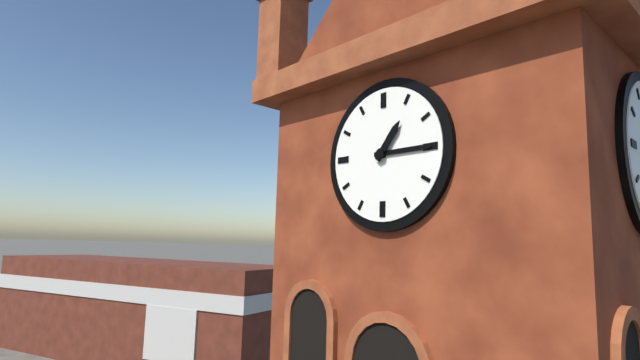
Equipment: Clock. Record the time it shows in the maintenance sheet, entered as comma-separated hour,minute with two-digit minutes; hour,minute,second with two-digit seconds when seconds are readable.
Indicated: 1,15
